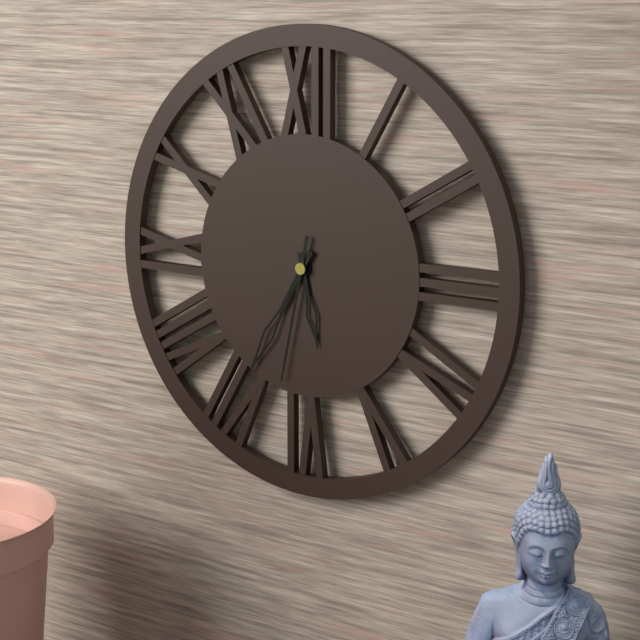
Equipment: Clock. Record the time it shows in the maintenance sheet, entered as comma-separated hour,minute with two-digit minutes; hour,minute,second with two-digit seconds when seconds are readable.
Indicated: 5,35,32
